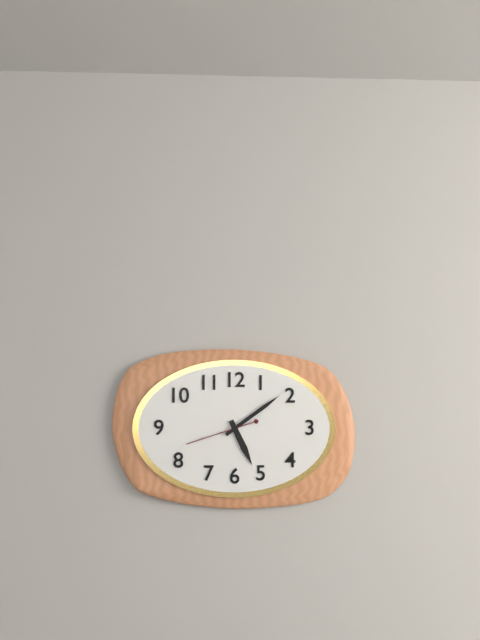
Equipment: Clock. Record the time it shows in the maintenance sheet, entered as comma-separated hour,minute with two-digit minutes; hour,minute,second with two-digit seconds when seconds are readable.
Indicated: 5,09,42
